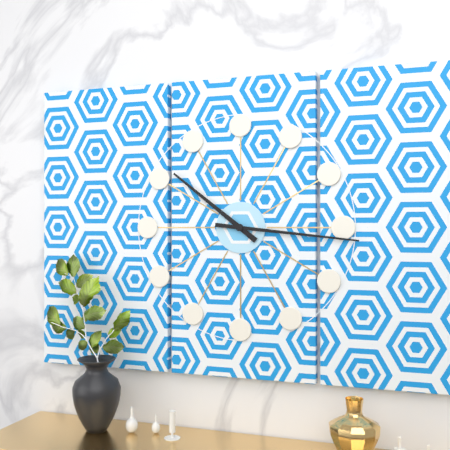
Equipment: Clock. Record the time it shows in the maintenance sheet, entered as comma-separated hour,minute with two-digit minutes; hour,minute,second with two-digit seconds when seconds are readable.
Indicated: 10,16
